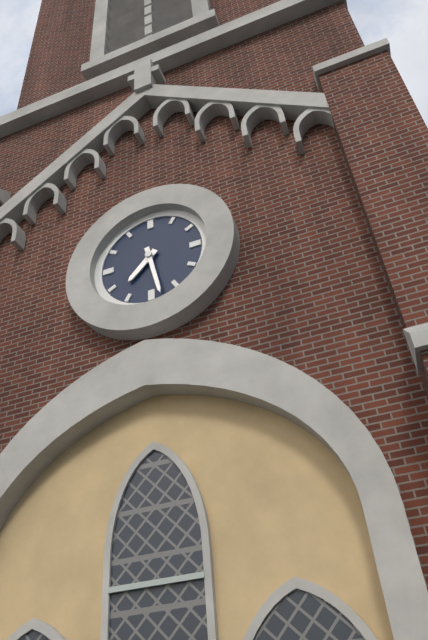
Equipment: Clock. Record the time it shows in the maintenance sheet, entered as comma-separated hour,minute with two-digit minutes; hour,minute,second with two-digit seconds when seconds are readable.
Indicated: 7,28
